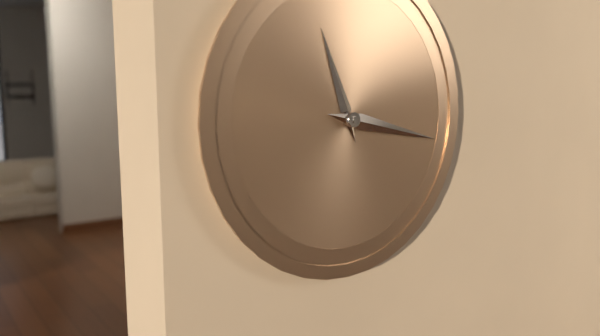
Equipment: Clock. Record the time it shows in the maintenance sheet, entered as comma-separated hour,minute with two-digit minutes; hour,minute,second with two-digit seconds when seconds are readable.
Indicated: 11,17
